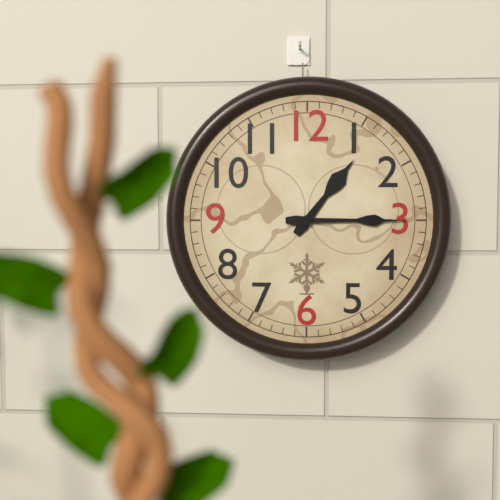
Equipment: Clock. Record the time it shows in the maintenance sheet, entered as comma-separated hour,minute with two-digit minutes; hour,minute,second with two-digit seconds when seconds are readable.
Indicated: 1,15
